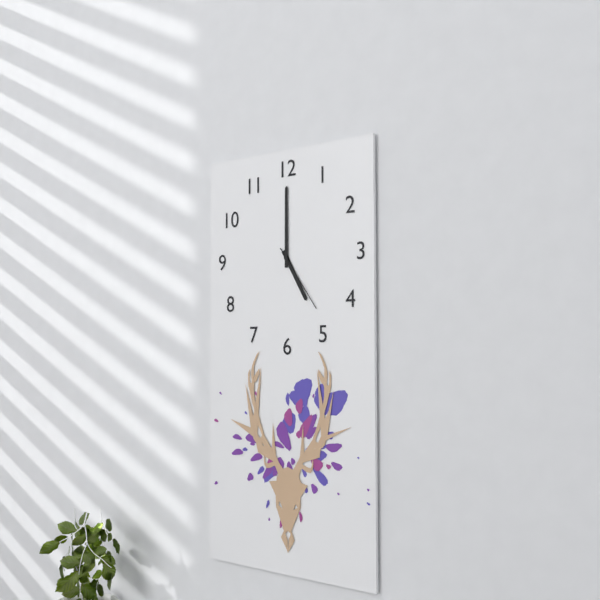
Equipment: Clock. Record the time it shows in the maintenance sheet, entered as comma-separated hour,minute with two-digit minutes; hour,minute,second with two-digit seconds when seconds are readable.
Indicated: 5,00,24
